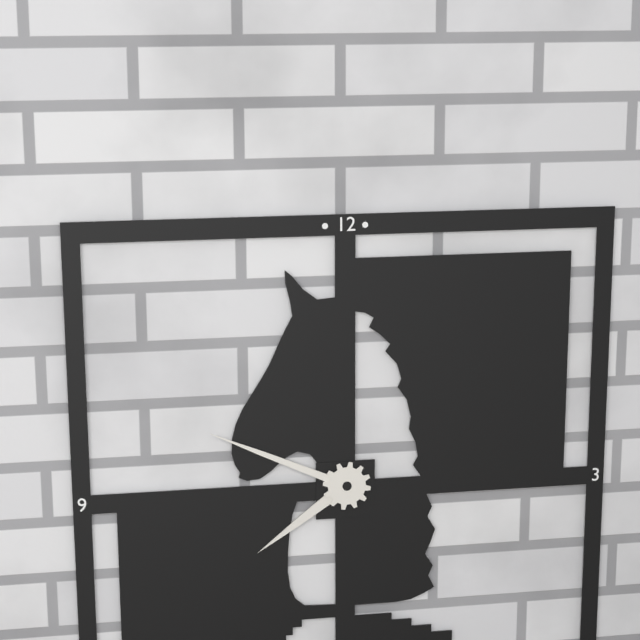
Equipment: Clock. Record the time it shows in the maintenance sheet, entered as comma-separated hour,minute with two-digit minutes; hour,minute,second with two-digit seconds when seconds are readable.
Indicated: 7,49
